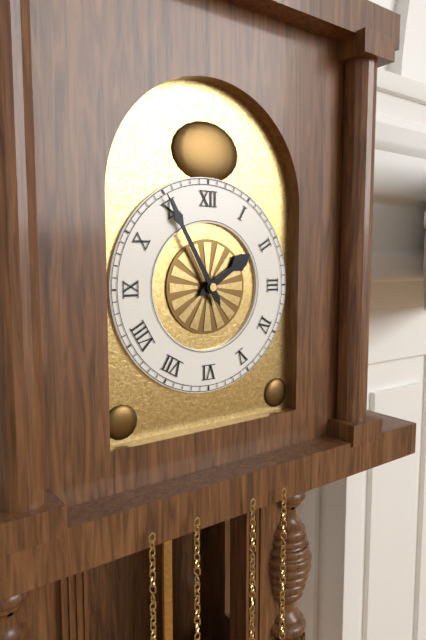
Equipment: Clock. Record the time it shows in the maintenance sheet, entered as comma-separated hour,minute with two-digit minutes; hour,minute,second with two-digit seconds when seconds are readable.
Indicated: 1,55
